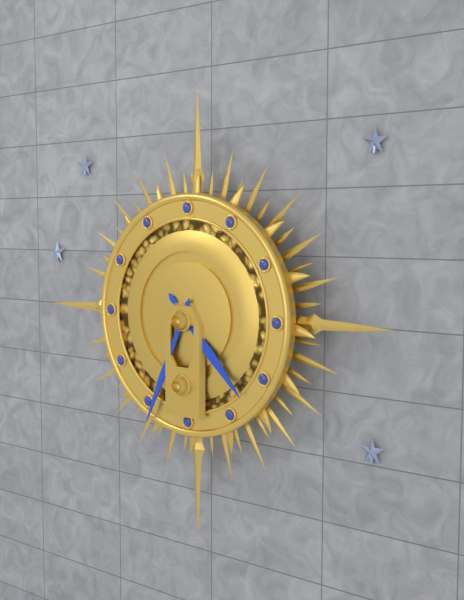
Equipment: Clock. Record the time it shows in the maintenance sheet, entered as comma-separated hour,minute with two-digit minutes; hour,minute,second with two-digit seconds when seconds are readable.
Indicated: 4,34
